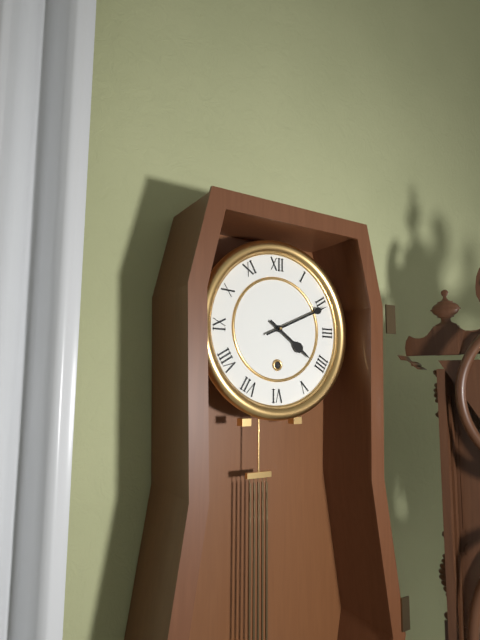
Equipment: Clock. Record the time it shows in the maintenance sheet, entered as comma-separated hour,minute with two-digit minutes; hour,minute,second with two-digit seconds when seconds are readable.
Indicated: 4,11
